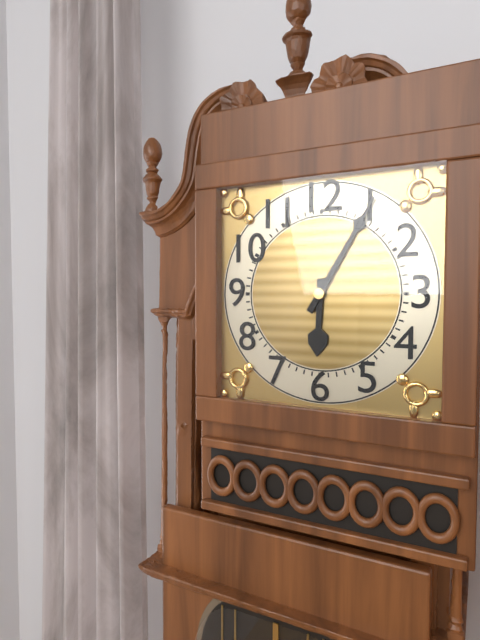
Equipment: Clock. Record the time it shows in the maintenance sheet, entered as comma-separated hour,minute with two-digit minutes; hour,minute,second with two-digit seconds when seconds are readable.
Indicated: 6,05
